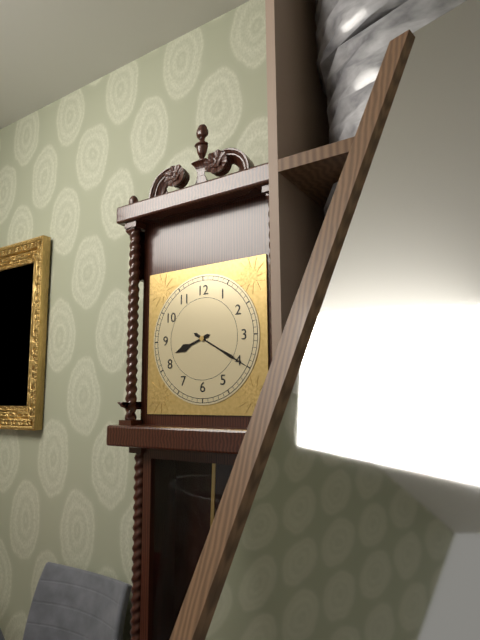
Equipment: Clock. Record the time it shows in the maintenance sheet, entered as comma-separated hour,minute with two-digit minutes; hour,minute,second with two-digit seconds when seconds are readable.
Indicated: 8,20
